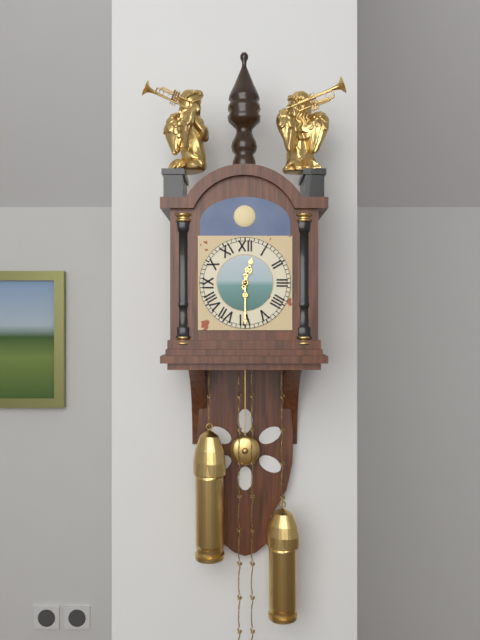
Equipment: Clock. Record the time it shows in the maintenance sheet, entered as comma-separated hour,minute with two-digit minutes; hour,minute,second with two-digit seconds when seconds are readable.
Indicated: 12,30
